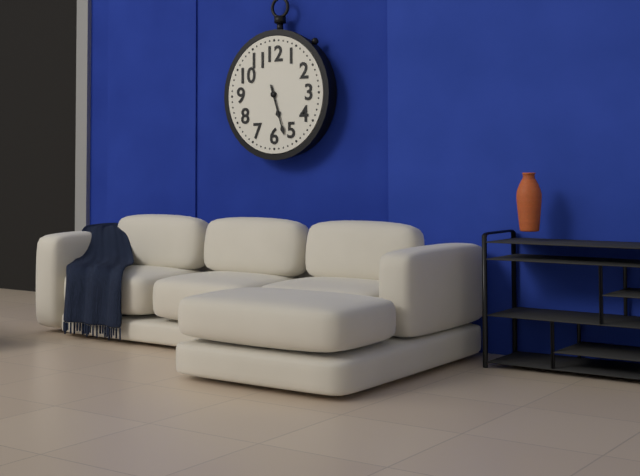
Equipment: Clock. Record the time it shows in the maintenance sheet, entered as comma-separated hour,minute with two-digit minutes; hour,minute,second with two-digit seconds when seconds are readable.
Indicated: 5,27
